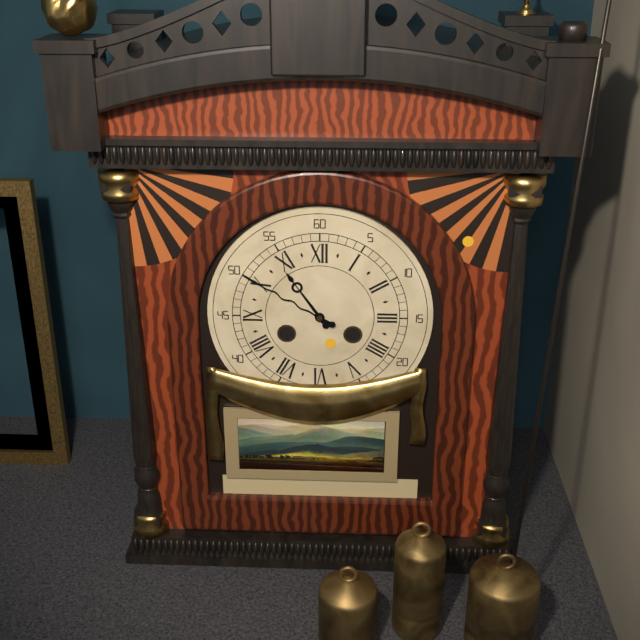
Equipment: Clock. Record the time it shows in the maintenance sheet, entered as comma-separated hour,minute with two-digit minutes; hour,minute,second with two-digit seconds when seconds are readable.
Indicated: 10,50
